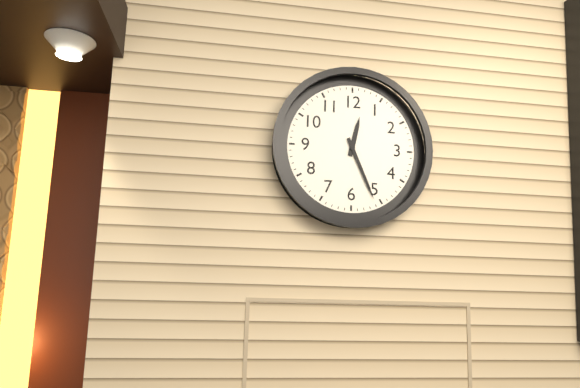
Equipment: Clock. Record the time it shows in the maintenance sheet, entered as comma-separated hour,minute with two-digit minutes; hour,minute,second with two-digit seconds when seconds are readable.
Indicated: 12,26
